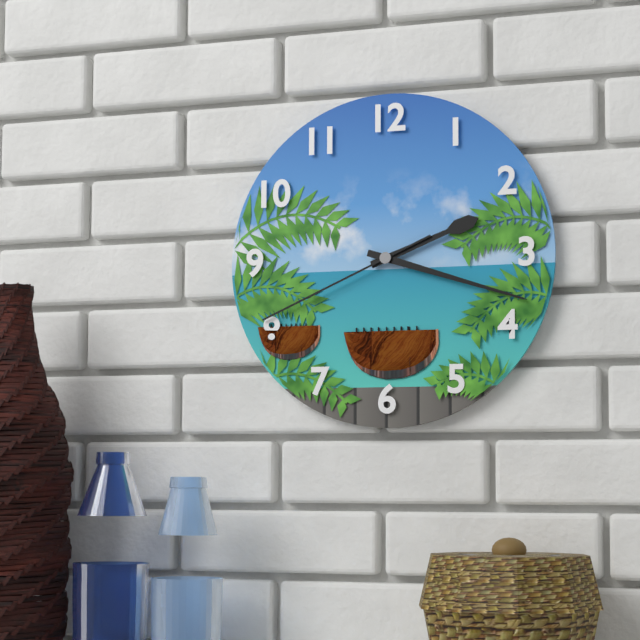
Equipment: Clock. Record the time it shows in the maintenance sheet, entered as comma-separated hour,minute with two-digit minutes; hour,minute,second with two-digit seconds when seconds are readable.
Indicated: 2,18,41
